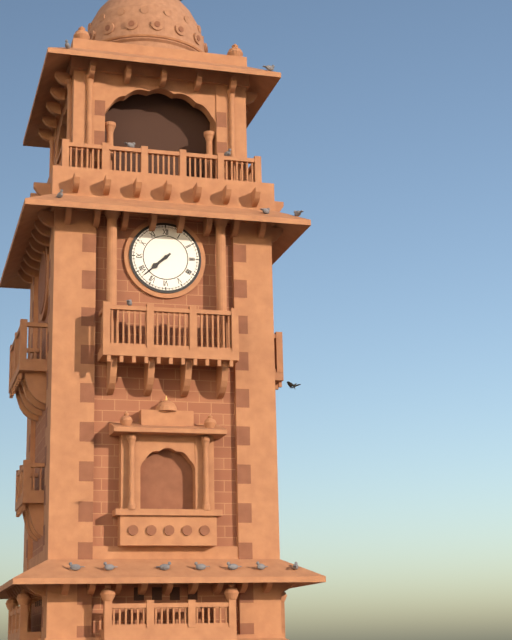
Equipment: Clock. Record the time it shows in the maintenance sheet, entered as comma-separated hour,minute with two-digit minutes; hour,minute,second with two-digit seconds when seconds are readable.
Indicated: 7,38
